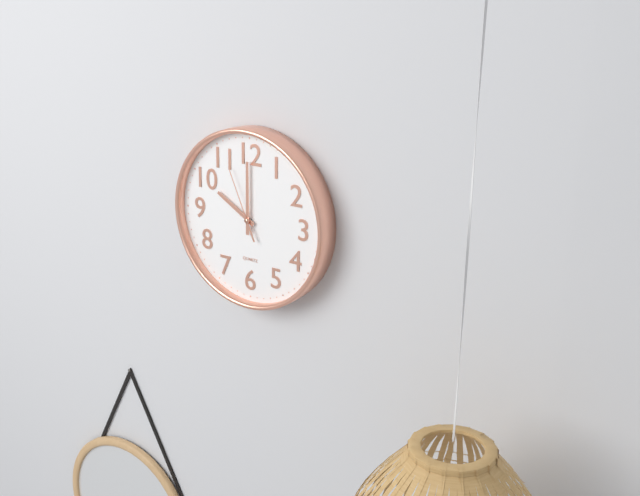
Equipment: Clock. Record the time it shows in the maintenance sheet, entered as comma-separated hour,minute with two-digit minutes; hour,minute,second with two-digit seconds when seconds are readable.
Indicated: 10,00,56
